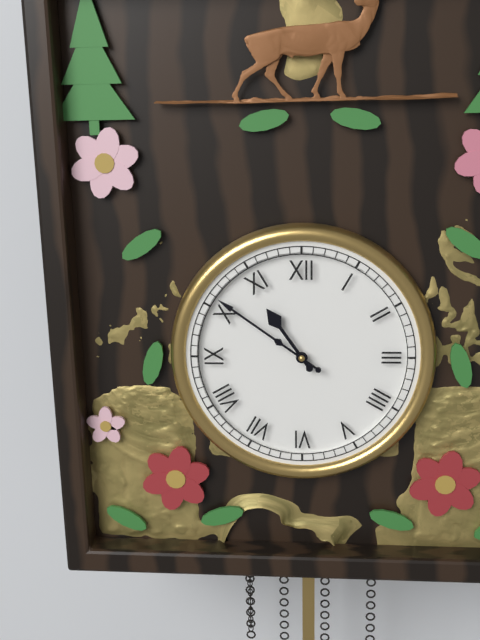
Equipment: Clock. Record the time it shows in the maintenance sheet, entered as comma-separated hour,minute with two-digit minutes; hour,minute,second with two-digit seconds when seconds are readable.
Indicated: 10,51
